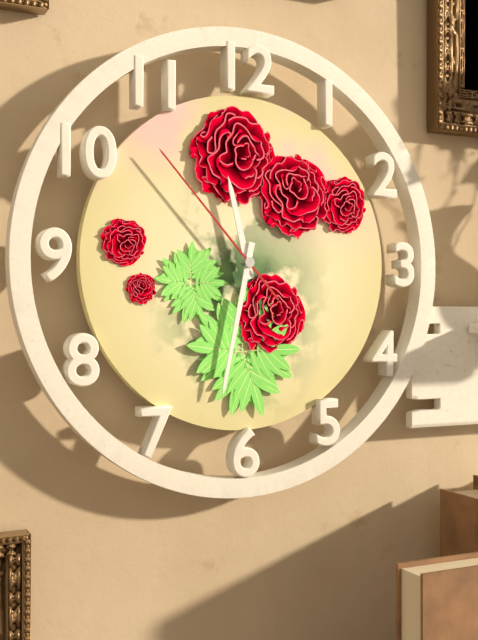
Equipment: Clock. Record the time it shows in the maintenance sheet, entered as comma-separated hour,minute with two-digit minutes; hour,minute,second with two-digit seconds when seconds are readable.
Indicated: 11,32,53
